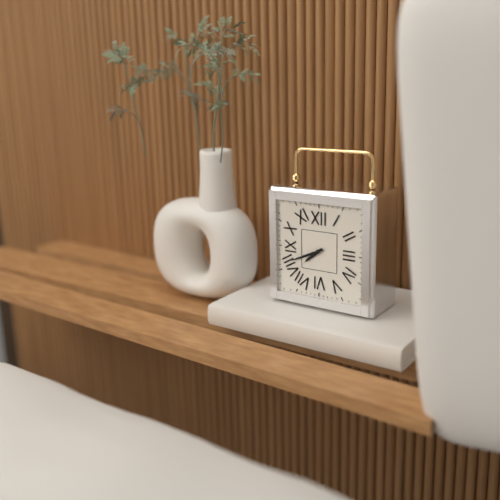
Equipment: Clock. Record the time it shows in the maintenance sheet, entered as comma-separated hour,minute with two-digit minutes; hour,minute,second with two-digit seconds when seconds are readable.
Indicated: 7,41
